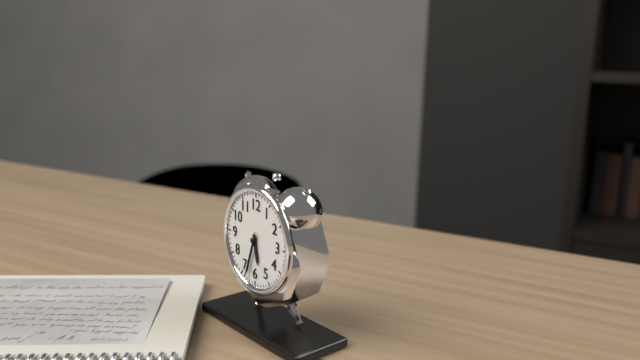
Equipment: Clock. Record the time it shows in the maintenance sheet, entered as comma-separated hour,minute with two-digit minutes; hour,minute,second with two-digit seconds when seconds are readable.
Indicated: 5,33
